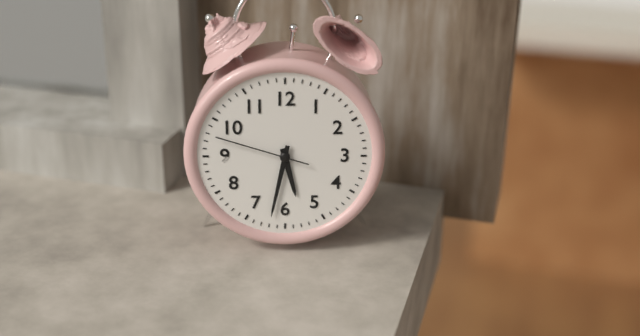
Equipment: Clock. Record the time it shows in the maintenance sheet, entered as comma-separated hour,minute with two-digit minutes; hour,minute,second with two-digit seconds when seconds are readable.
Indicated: 5,32,48
